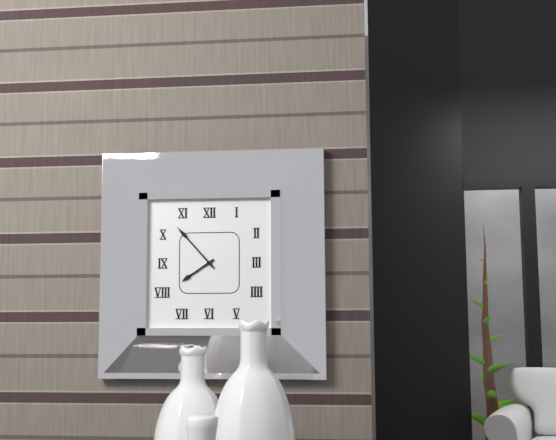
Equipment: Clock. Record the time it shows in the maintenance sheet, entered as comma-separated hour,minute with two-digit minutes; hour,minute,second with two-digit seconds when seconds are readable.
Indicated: 7,53
